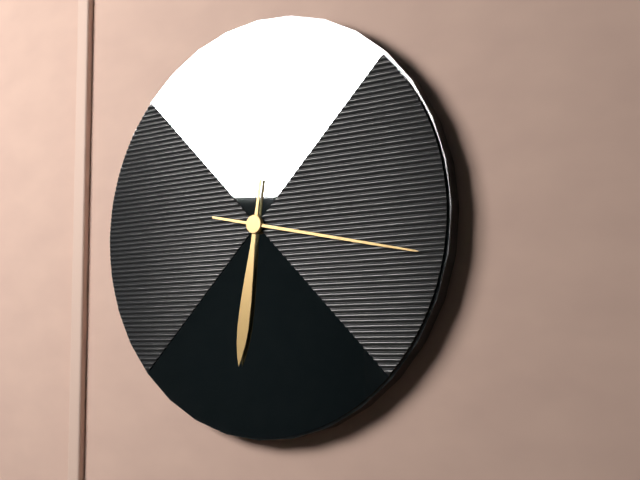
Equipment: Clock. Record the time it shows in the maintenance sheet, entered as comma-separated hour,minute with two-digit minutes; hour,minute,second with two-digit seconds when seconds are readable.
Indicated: 6,17
